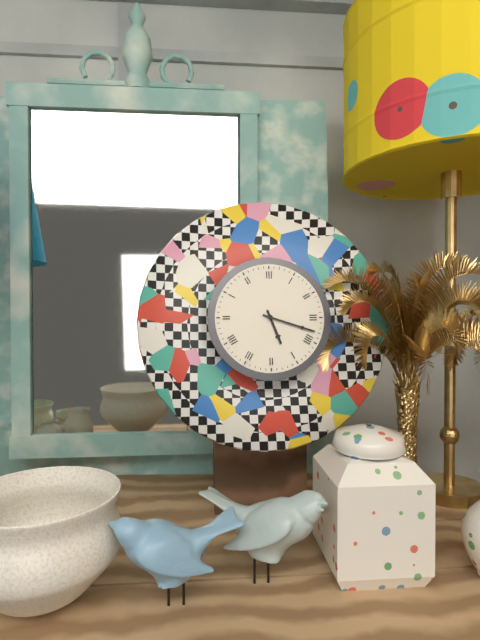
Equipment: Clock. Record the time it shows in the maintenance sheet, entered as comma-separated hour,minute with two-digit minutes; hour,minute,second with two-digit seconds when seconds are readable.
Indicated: 5,18
